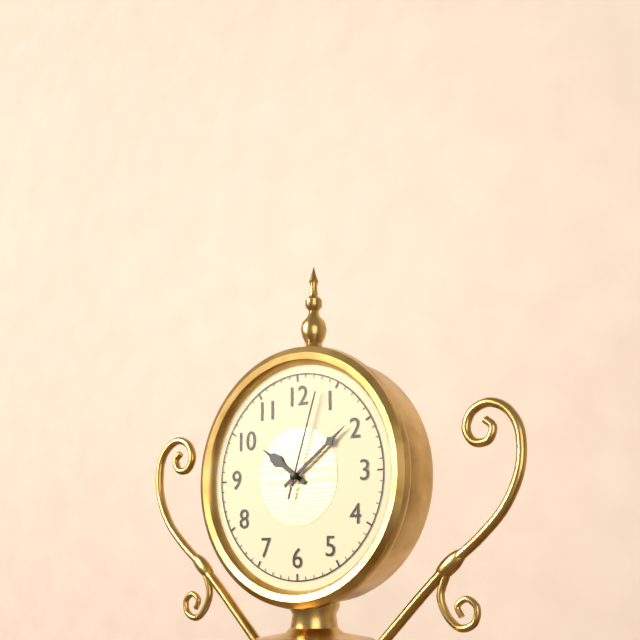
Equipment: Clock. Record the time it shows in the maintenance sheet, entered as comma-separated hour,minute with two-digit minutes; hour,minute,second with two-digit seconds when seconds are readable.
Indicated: 10,09,03
